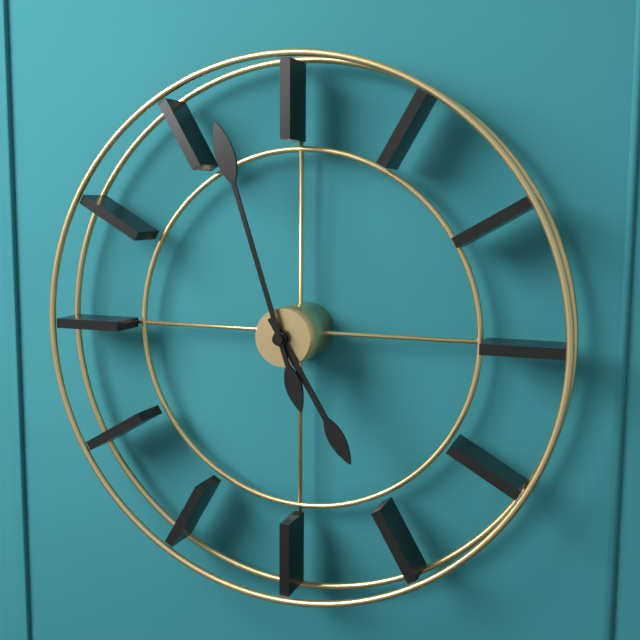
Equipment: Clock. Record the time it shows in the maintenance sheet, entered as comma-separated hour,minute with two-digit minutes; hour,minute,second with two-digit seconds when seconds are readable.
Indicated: 4,57
